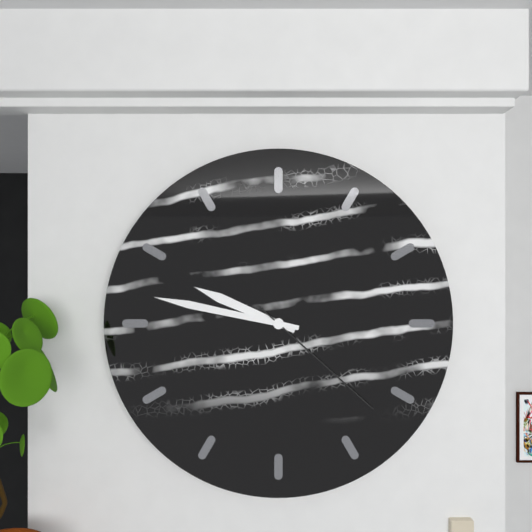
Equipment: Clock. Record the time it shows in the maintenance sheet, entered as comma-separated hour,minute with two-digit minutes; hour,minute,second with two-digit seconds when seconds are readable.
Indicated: 9,47,22
